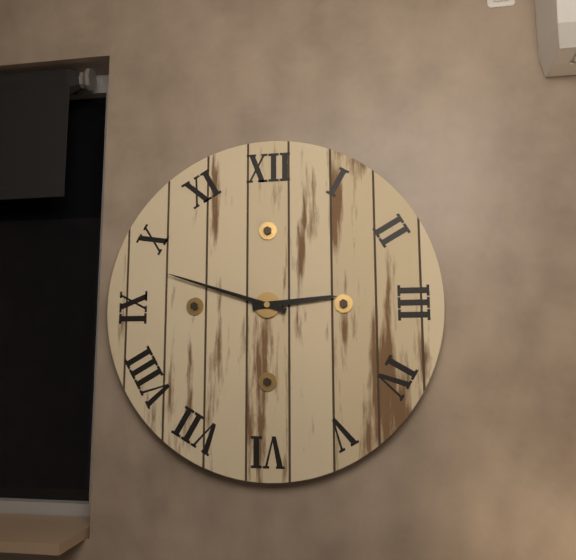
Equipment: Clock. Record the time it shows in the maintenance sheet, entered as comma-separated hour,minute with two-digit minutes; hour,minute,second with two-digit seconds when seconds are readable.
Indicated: 2,48
